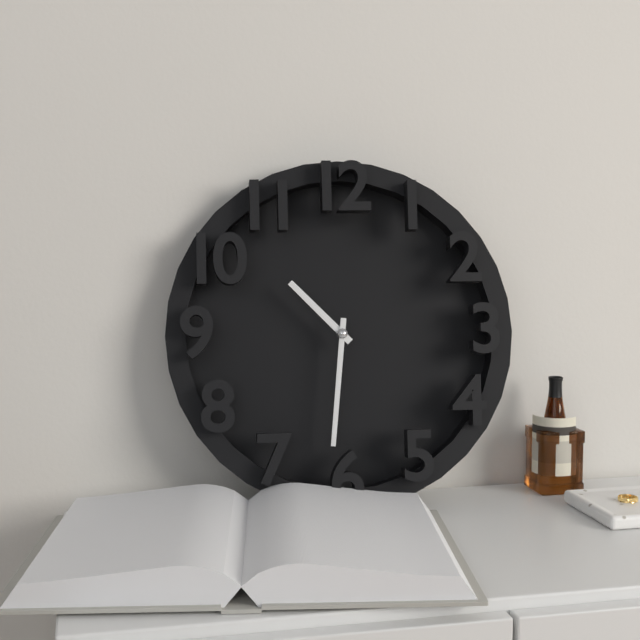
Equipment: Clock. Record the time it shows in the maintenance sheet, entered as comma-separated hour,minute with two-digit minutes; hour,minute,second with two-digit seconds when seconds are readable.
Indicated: 10,31
